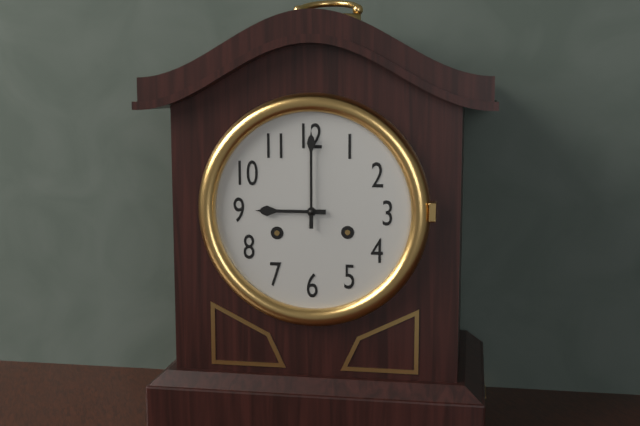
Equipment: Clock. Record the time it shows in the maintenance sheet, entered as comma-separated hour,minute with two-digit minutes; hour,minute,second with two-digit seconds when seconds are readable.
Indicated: 9,00
